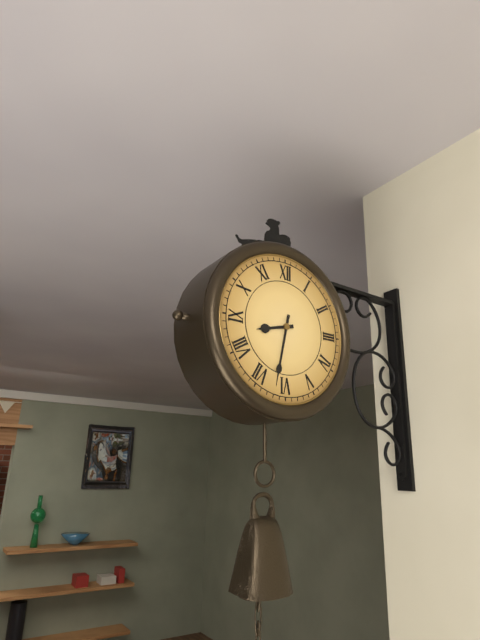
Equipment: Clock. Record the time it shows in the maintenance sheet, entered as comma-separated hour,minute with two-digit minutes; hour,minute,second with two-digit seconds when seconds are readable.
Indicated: 8,32
